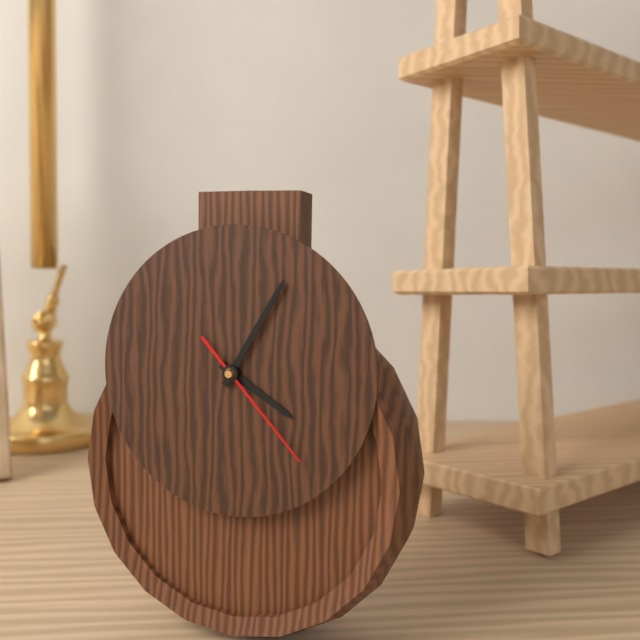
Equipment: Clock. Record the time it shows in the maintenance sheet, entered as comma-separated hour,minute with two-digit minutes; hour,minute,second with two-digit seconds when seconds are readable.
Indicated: 4,05,23
